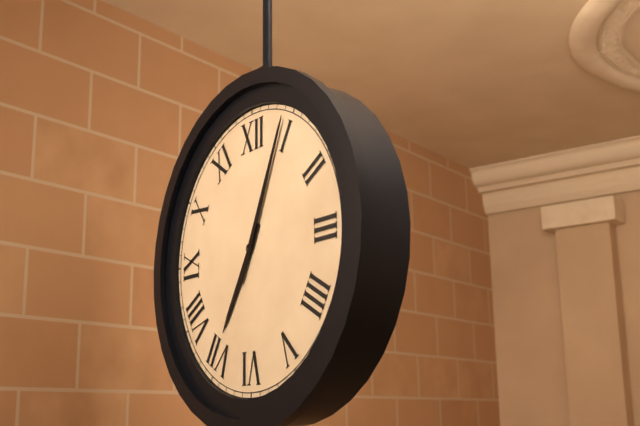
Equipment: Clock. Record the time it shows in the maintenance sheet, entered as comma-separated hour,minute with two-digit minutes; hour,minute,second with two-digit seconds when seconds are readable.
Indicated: 7,04
